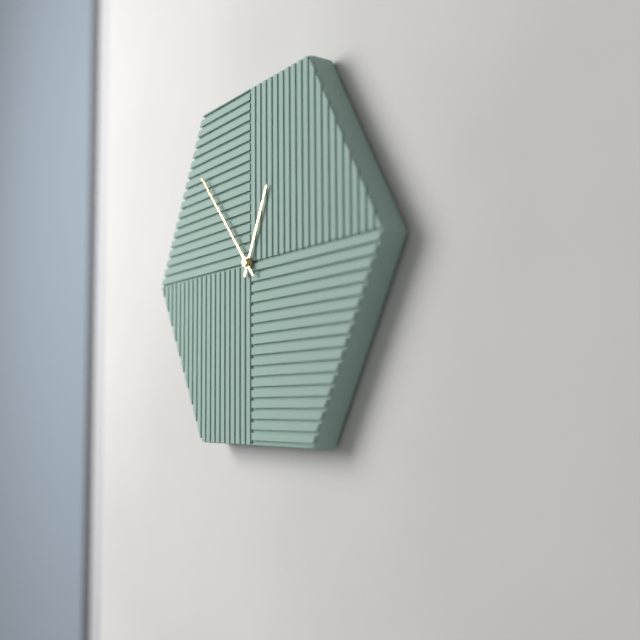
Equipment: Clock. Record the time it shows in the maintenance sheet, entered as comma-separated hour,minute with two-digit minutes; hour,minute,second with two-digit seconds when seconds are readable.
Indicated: 12,53
